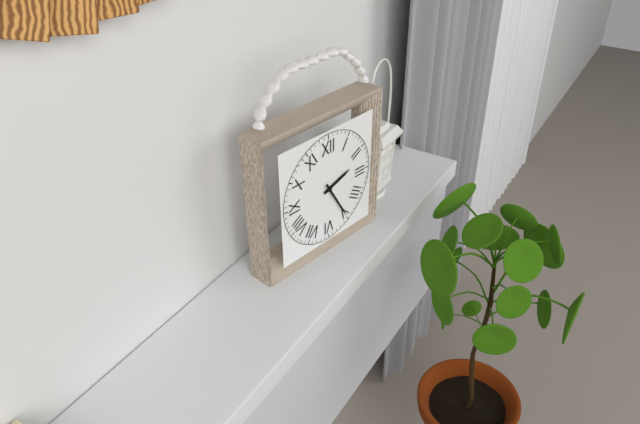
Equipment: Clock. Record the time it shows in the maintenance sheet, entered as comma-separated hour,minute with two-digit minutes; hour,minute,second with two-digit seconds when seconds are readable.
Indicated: 2,25
